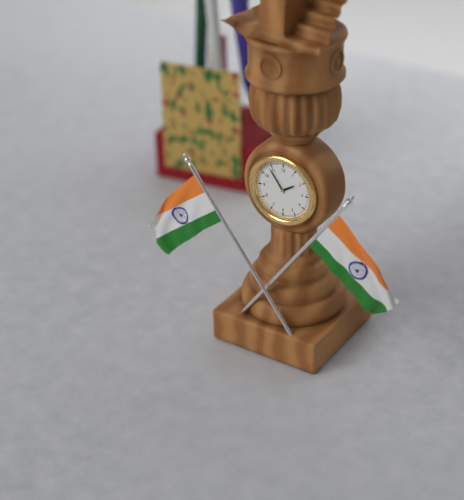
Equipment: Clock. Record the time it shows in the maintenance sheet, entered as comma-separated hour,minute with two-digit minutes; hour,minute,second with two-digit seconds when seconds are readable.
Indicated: 1,54
